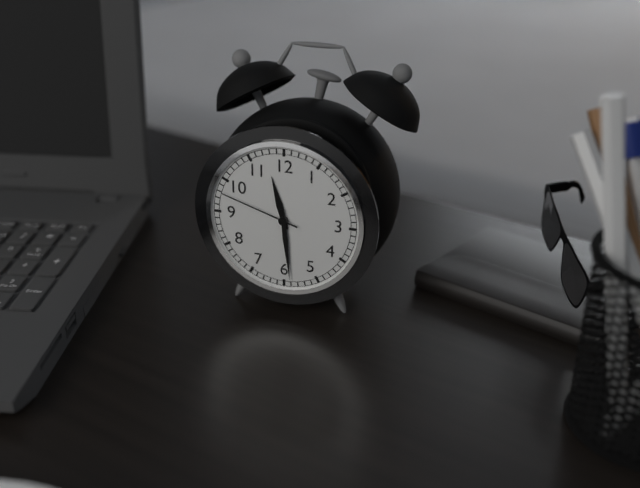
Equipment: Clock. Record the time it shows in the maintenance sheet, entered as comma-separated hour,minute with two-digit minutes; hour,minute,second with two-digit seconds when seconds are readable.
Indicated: 11,29,48
